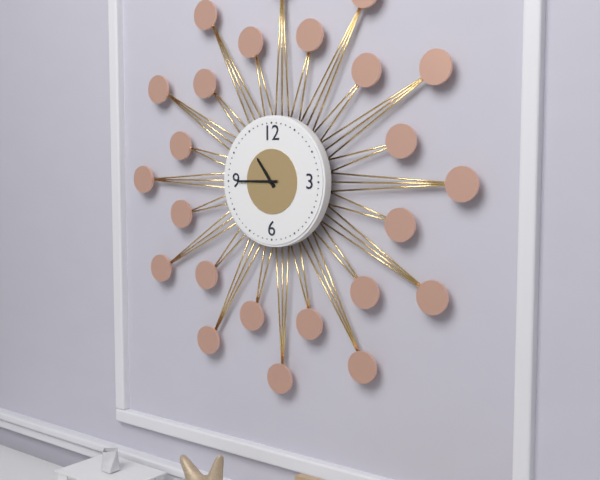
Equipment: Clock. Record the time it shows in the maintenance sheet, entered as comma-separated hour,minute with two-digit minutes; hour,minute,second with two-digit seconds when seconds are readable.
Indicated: 10,45
